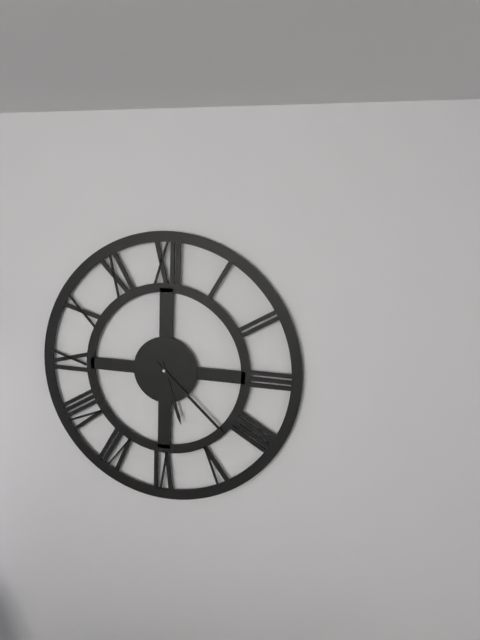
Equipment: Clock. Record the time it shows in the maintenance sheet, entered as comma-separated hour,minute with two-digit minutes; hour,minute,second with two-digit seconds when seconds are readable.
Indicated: 5,22
